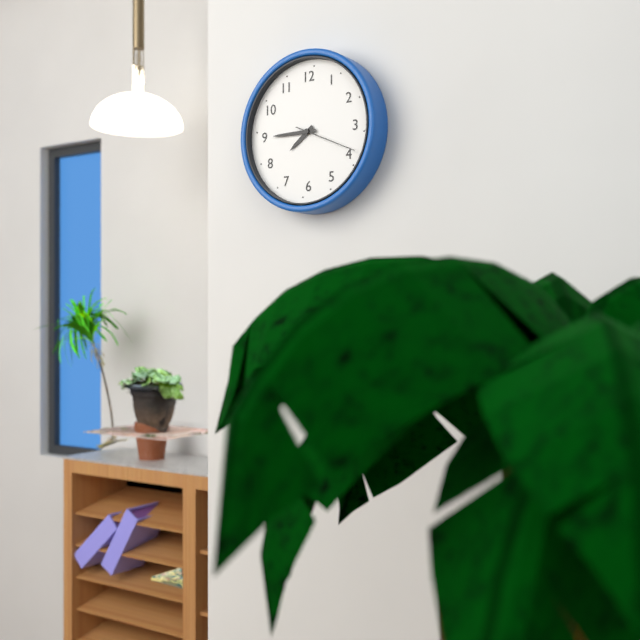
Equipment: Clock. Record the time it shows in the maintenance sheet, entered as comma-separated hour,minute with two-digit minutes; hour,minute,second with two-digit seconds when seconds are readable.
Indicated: 7,45,19
